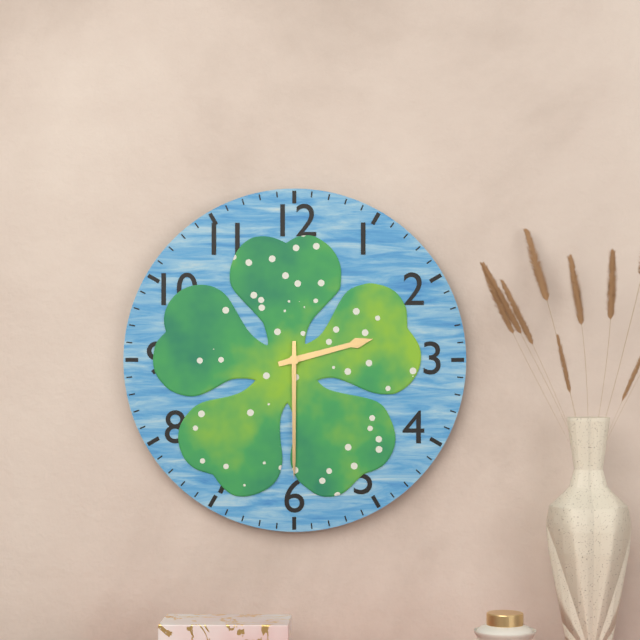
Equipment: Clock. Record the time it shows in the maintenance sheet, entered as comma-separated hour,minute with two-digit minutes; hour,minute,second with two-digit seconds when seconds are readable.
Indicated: 2,30
